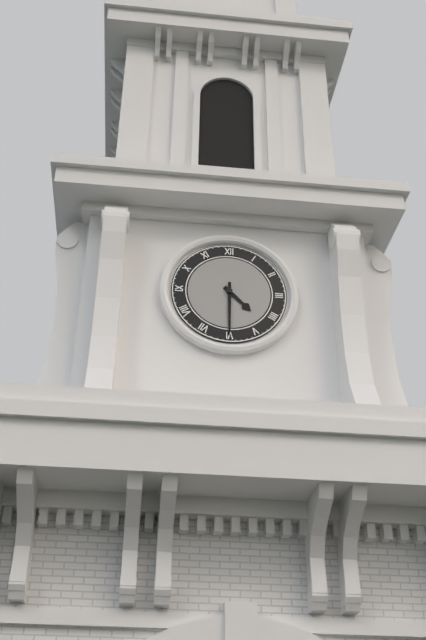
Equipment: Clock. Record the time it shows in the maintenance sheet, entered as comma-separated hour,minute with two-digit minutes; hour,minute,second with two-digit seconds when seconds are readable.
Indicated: 4,30
